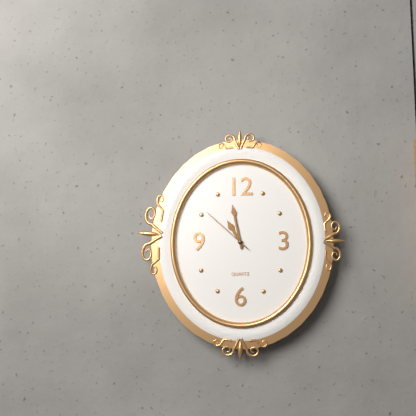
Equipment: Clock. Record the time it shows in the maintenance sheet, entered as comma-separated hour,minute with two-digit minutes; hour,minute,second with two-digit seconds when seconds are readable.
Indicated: 10,58,52
